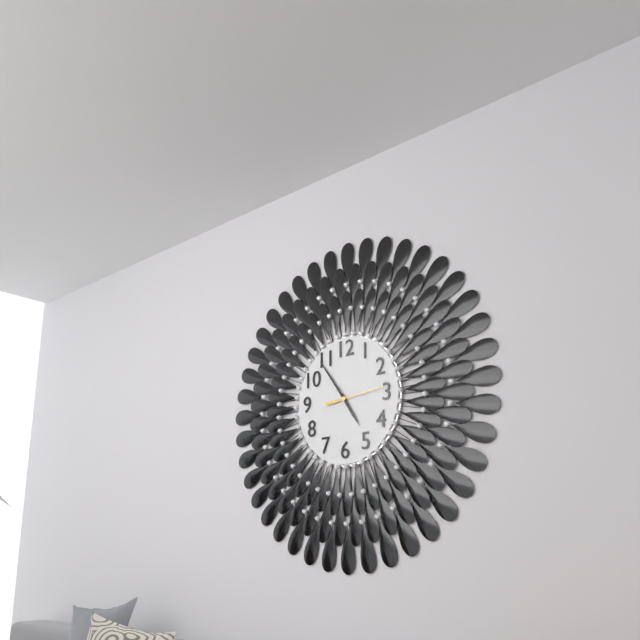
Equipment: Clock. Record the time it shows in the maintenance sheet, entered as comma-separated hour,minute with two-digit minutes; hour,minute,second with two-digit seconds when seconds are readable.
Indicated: 4,54,14
